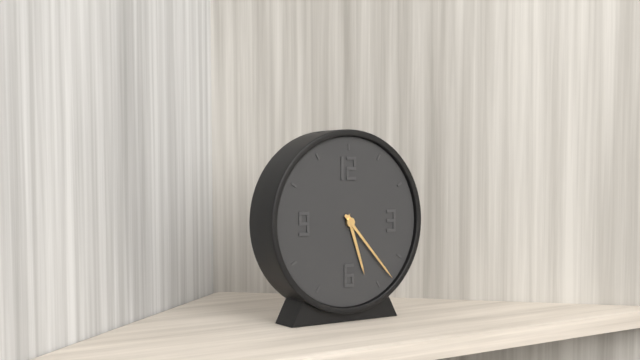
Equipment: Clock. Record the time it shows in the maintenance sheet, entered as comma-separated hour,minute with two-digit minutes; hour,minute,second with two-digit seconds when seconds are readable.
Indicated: 5,23
